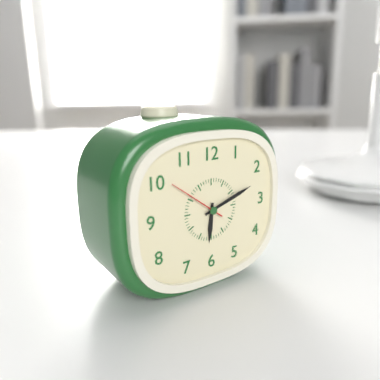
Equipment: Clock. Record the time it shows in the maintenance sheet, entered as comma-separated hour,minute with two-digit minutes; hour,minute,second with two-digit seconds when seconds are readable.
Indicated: 6,12,51
